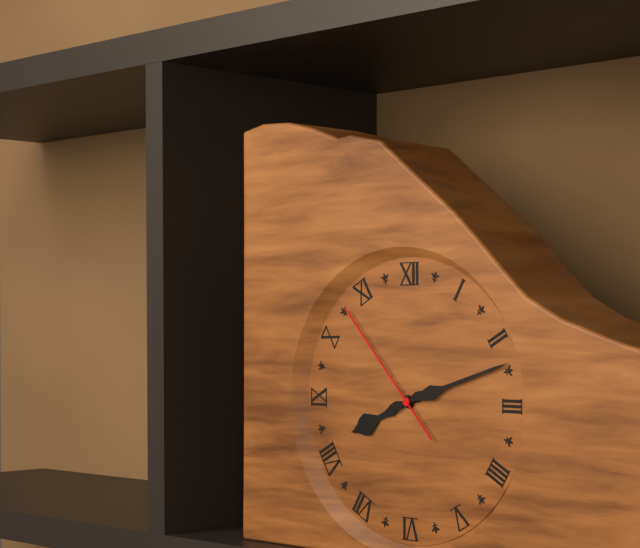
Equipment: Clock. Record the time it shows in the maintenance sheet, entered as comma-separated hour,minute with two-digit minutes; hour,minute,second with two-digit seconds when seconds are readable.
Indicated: 8,12,53
